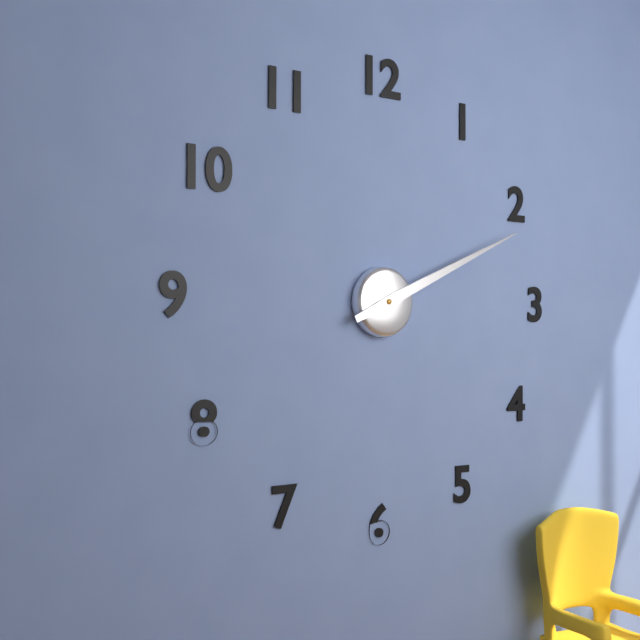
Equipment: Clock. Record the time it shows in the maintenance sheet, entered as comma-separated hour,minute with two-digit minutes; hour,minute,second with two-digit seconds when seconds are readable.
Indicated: 2,11
